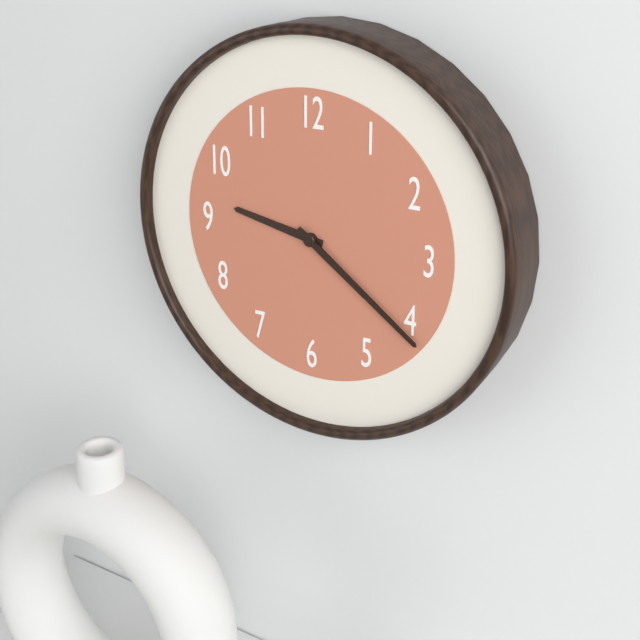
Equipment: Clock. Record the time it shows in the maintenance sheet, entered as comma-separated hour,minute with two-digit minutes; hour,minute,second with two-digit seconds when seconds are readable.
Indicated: 9,21
